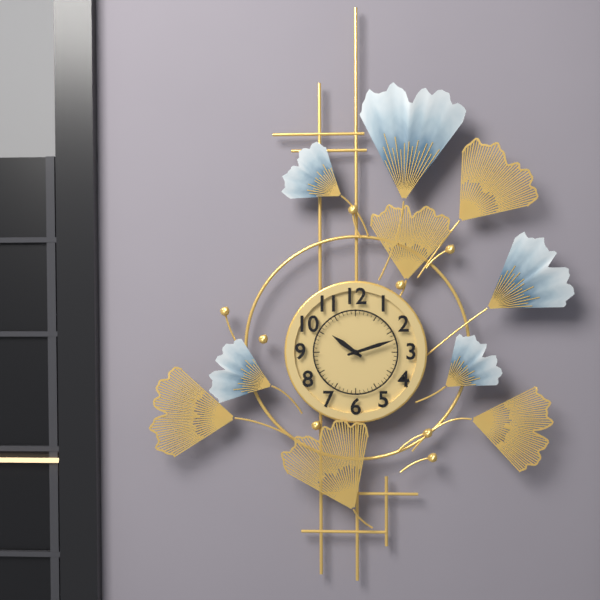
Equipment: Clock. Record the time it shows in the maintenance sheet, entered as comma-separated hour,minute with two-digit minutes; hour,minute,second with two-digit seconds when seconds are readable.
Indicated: 10,12
